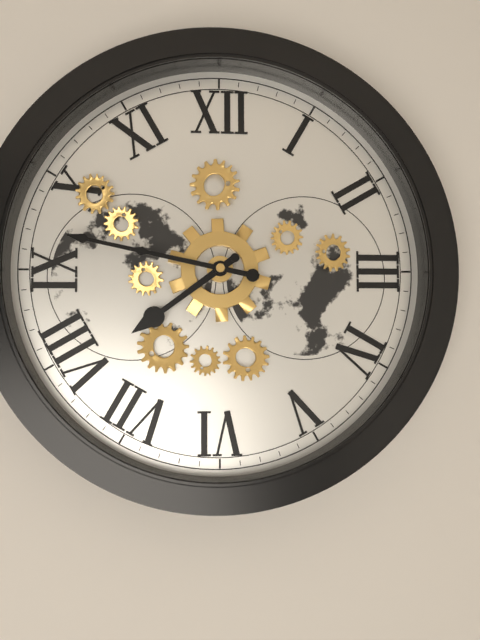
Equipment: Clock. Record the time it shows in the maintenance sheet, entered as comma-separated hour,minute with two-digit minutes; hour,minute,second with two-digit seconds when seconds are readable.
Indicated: 7,47
